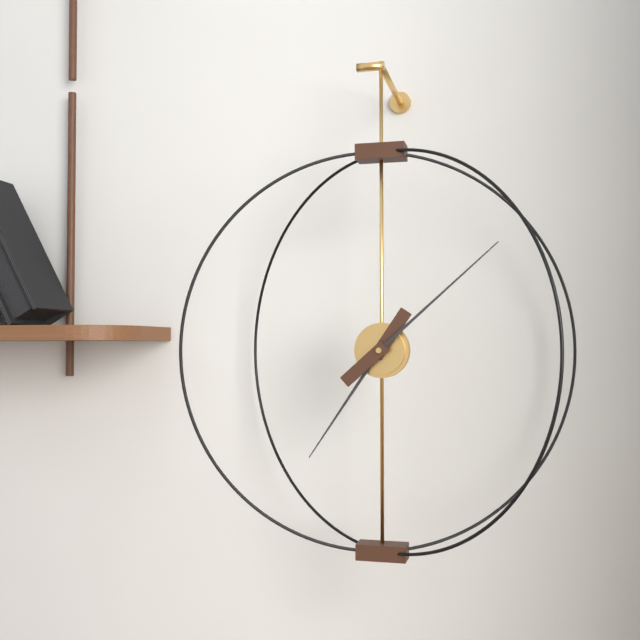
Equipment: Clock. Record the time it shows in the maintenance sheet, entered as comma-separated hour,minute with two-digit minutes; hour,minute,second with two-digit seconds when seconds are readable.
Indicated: 7,08
